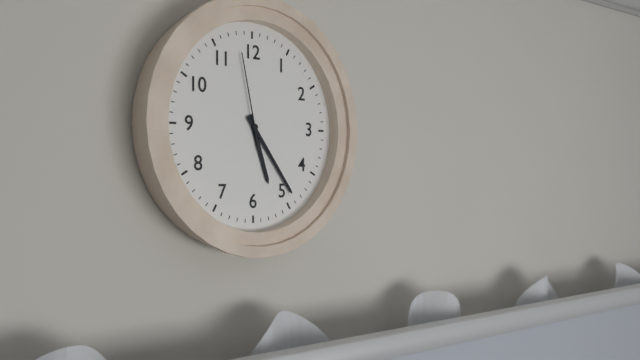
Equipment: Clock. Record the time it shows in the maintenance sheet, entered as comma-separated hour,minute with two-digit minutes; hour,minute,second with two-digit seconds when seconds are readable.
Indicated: 5,24,58
